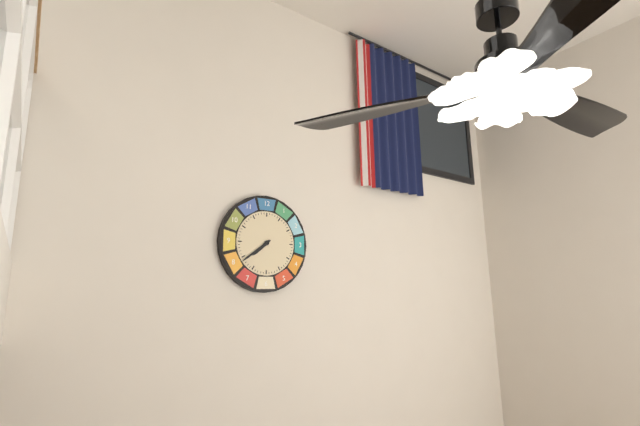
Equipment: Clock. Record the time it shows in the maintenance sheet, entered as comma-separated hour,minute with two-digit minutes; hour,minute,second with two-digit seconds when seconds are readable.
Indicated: 7,39
